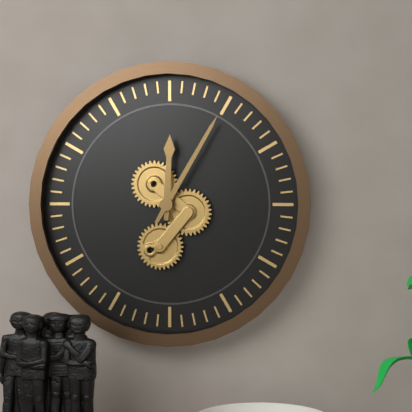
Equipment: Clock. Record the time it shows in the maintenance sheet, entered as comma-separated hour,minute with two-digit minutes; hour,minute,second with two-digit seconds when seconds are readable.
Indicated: 12,05
